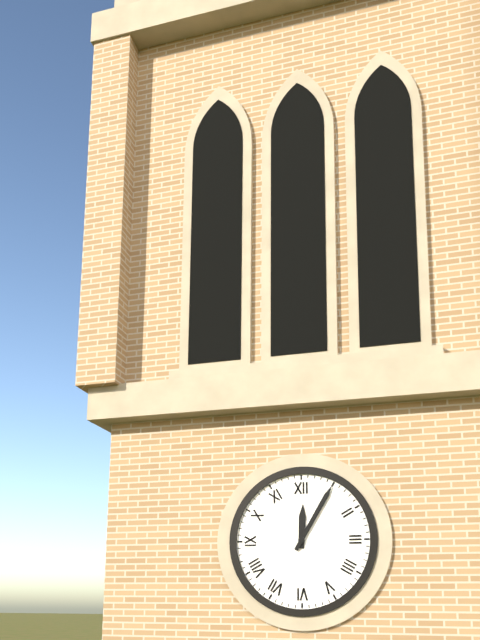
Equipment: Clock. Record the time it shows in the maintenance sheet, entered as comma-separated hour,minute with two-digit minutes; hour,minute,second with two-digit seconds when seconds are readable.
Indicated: 12,05
